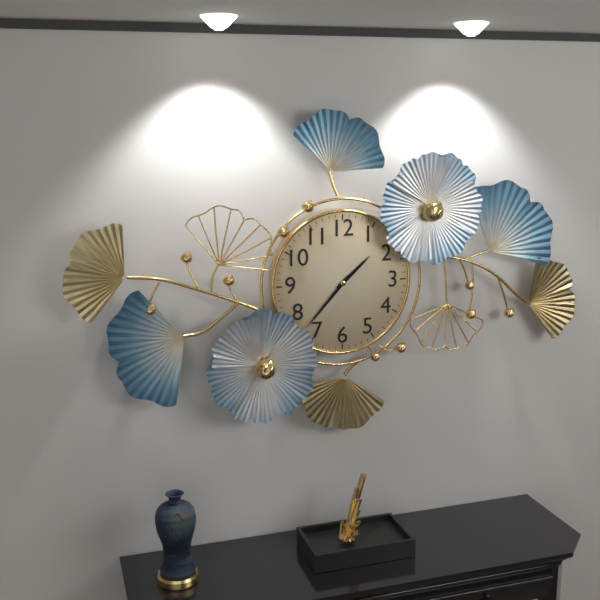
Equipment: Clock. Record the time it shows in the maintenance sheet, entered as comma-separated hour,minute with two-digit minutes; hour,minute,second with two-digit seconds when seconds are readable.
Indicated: 1,37
